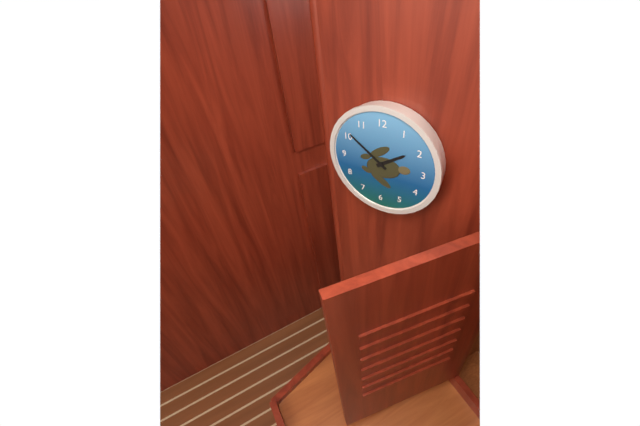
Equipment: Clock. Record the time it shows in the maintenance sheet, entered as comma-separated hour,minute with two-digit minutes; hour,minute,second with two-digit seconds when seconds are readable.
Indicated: 1,51
